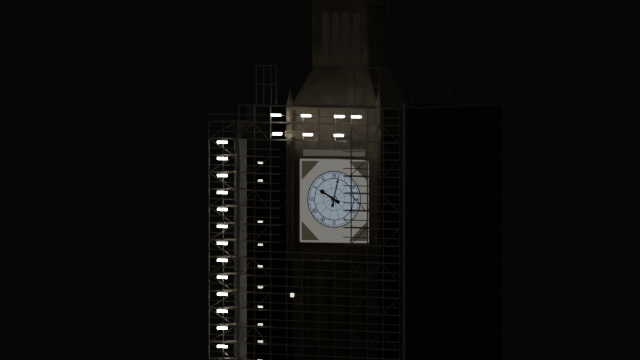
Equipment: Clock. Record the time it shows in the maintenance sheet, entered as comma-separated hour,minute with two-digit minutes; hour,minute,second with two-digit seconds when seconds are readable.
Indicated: 10,02
